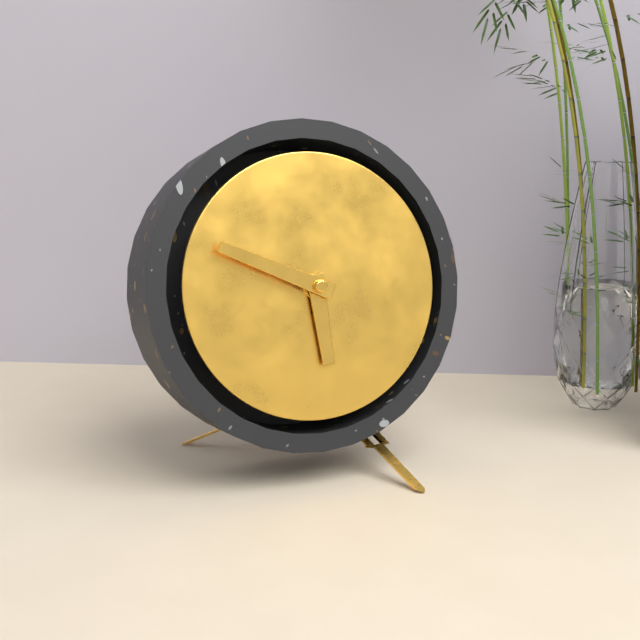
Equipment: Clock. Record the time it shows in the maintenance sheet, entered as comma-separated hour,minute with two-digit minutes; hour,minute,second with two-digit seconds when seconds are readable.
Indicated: 5,49
